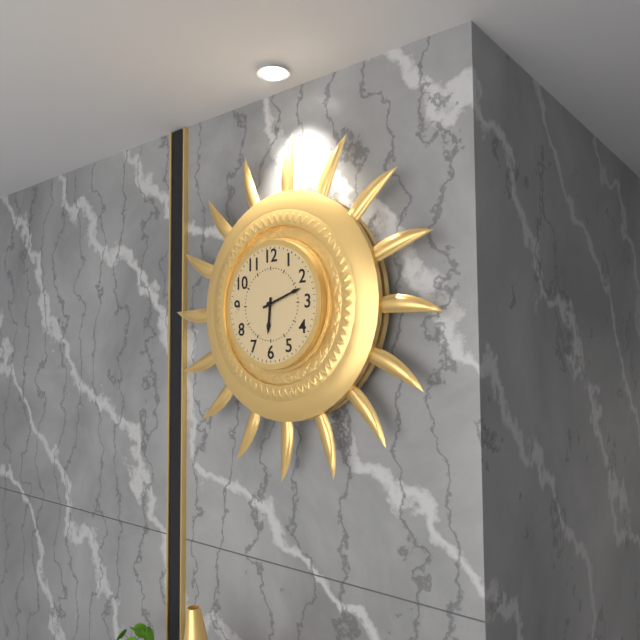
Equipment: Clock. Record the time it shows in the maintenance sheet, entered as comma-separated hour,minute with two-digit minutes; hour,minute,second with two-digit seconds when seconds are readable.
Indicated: 6,12
